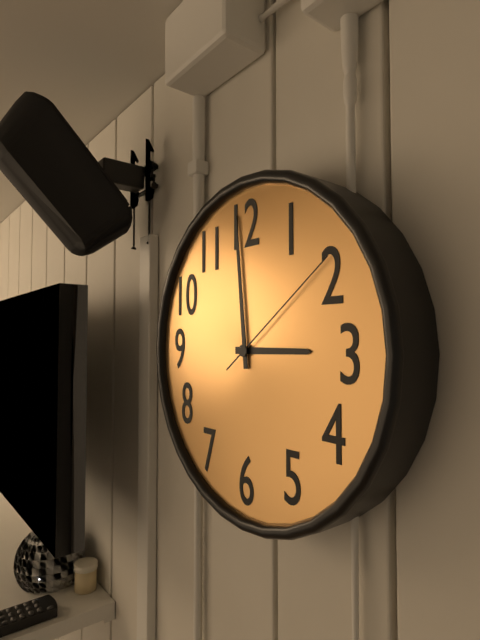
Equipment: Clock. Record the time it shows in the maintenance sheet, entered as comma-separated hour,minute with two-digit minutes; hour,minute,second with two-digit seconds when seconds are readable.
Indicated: 2,59,09
